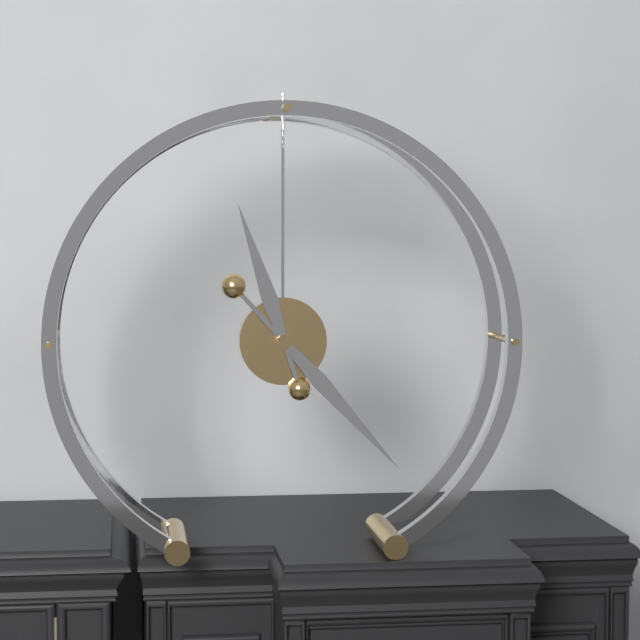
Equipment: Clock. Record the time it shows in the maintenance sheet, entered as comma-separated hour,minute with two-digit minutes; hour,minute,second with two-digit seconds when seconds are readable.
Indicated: 11,23
